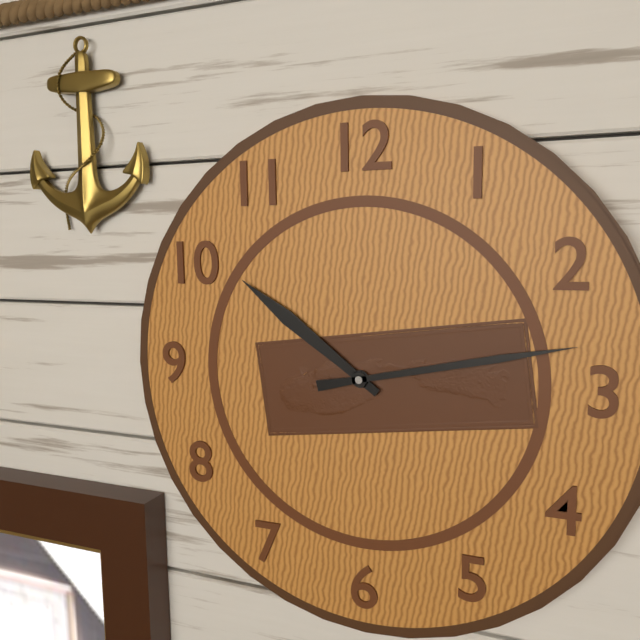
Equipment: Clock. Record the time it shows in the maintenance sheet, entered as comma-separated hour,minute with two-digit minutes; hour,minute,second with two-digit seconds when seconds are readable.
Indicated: 10,13
